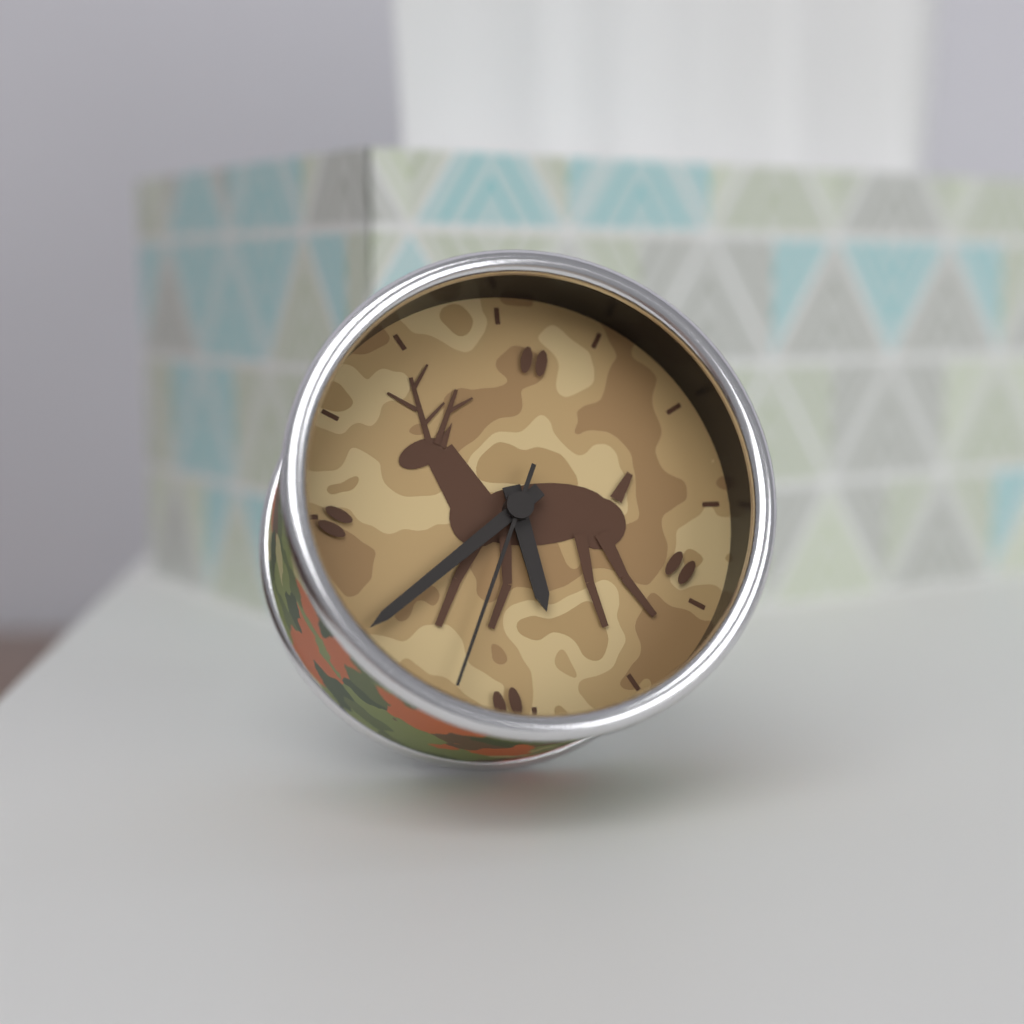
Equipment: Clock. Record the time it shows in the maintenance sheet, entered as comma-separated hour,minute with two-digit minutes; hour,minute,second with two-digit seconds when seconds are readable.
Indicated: 5,39,34
